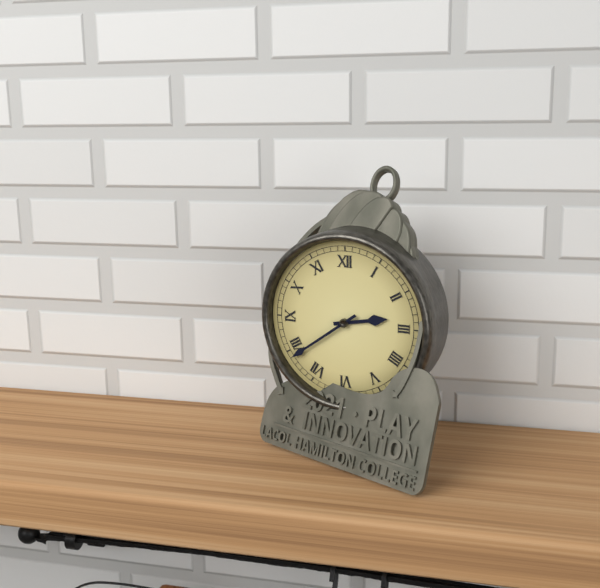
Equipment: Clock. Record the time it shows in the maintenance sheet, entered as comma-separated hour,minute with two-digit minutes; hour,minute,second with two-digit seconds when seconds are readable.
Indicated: 2,39
